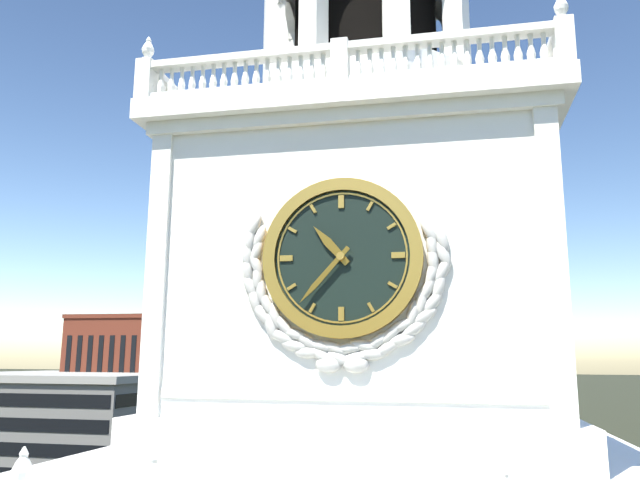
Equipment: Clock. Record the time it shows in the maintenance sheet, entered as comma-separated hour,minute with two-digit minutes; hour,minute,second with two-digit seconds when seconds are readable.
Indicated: 10,37
